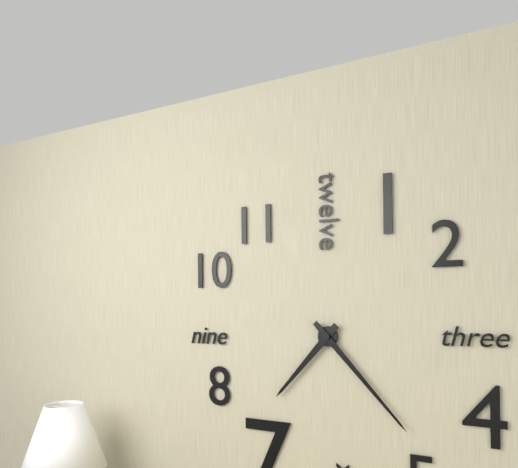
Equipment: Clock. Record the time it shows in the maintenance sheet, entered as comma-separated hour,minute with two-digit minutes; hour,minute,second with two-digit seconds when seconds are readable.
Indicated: 7,23
